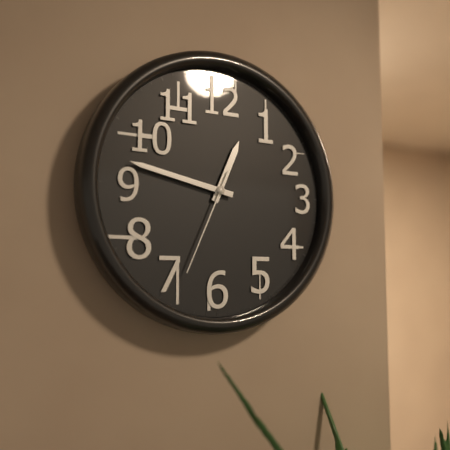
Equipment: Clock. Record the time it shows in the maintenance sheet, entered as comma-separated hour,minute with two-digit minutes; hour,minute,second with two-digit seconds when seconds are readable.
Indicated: 12,47,34
